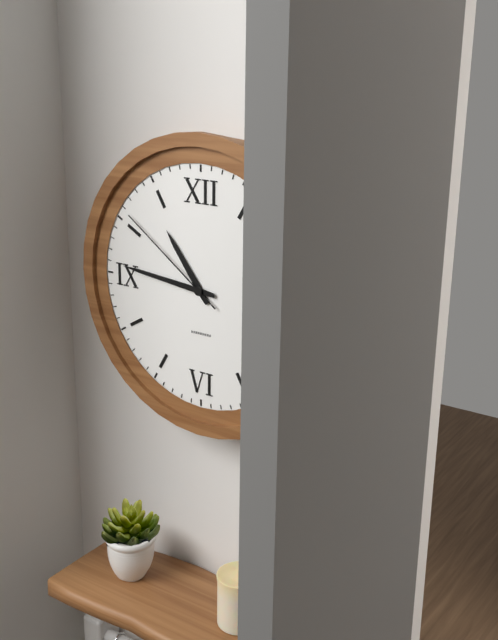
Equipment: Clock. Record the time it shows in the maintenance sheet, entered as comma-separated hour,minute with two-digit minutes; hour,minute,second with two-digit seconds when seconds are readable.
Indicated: 10,46,51
